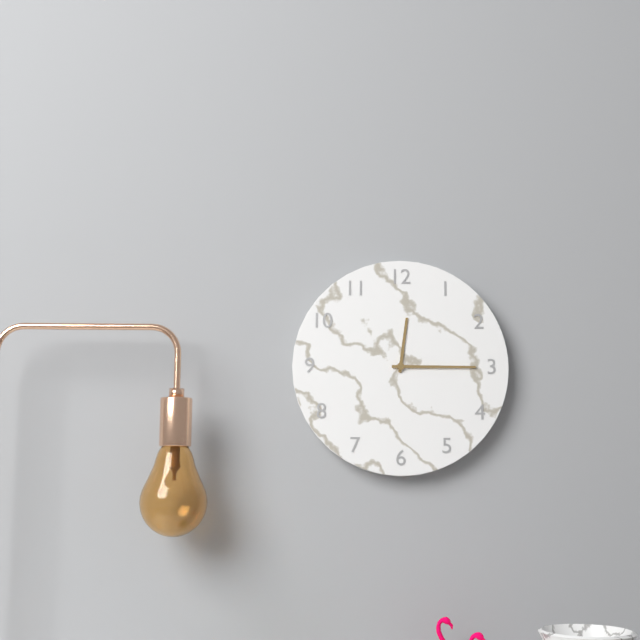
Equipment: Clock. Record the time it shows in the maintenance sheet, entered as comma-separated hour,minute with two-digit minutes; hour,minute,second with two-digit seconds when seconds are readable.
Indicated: 12,15
